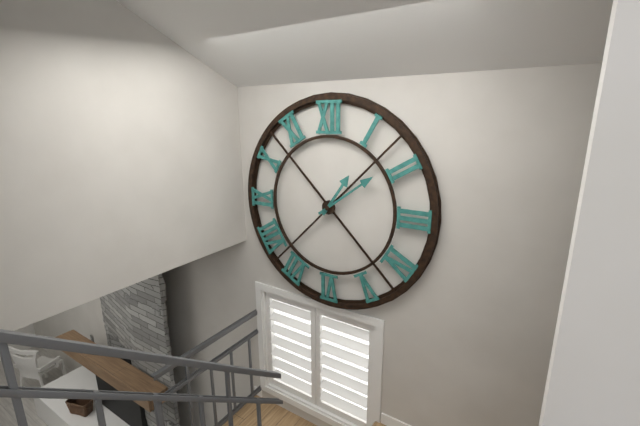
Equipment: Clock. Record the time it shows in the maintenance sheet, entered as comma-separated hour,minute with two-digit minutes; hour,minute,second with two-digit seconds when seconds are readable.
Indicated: 1,09
